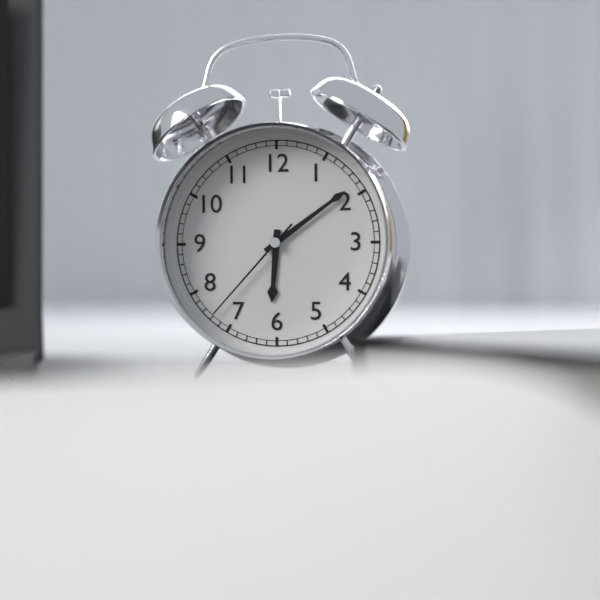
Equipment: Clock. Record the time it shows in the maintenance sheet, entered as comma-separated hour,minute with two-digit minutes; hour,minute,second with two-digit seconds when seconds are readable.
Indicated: 6,09,37
